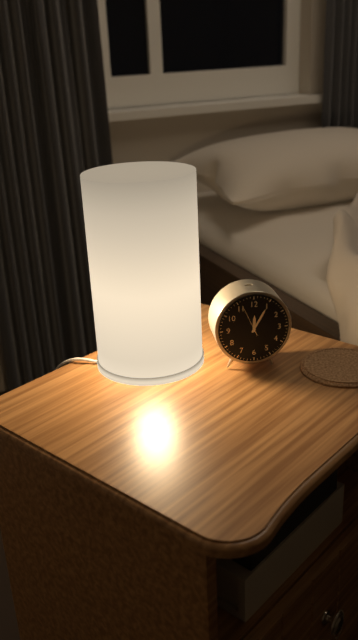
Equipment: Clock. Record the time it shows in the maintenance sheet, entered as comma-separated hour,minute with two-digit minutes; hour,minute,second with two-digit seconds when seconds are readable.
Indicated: 12,05
